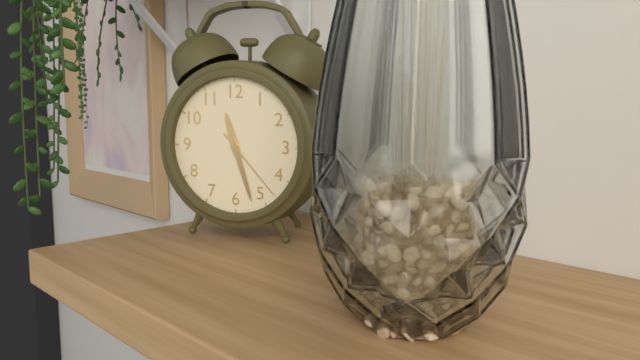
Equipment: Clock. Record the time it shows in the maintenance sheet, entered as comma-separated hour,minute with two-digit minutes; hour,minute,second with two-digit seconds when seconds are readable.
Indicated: 11,27,23
